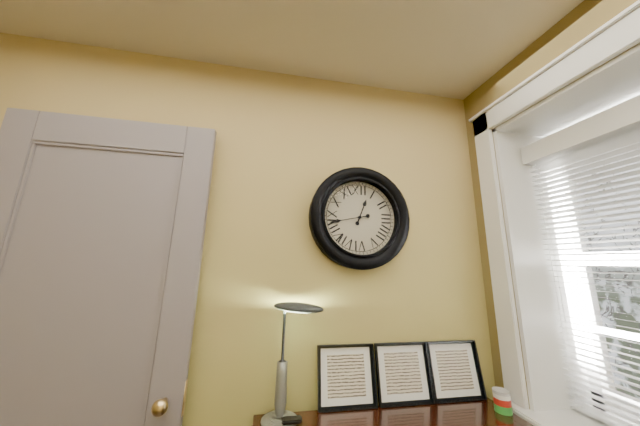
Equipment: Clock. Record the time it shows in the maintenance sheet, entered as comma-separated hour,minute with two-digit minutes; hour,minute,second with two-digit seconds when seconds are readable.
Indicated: 12,43
